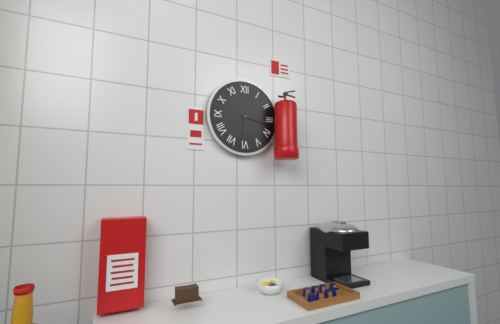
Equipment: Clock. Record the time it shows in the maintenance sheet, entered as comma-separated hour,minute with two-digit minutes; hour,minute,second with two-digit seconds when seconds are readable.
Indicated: 6,17
